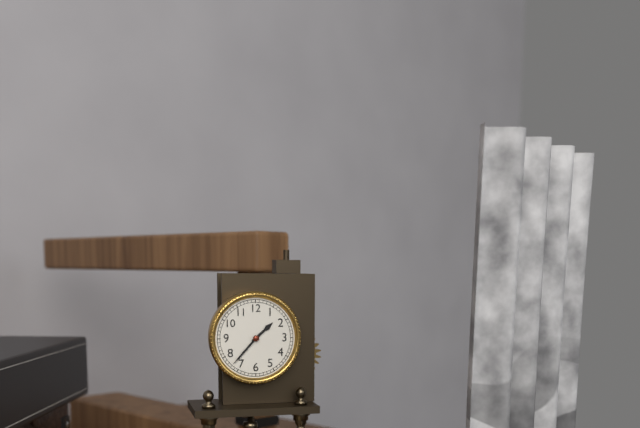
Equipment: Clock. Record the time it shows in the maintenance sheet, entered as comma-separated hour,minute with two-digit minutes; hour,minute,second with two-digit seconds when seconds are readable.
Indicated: 1,37
